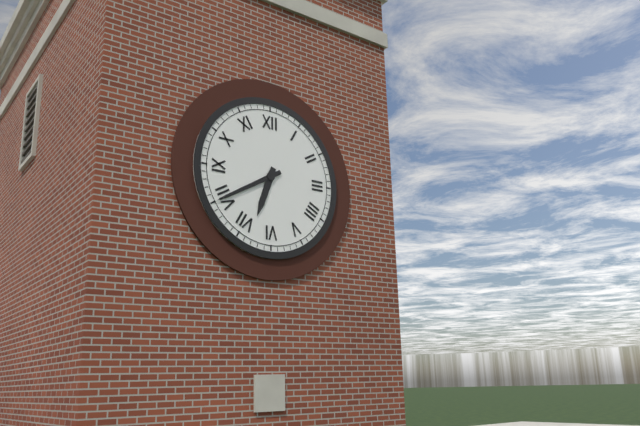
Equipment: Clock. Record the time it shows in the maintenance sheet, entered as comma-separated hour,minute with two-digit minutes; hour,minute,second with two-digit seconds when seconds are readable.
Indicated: 6,40
